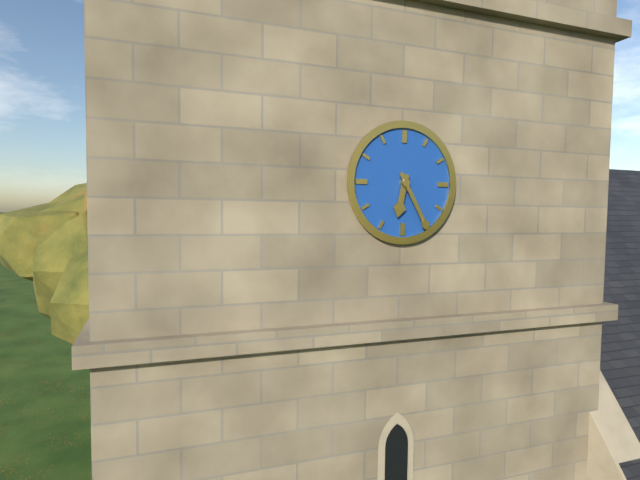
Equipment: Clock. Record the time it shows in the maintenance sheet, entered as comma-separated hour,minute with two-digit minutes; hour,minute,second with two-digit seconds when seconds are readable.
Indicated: 6,25
